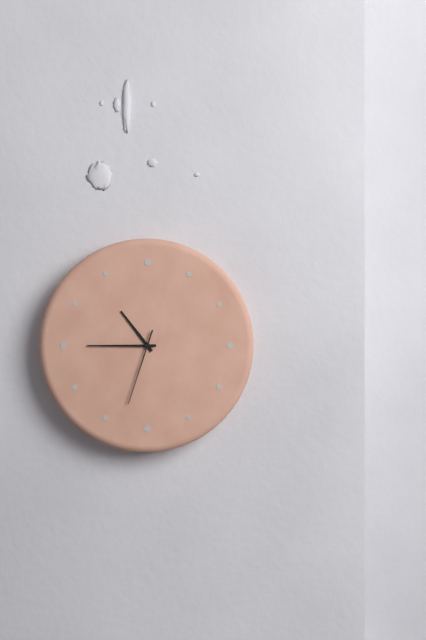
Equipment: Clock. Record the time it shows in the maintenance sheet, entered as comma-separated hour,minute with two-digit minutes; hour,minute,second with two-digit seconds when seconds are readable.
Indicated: 10,45,33
